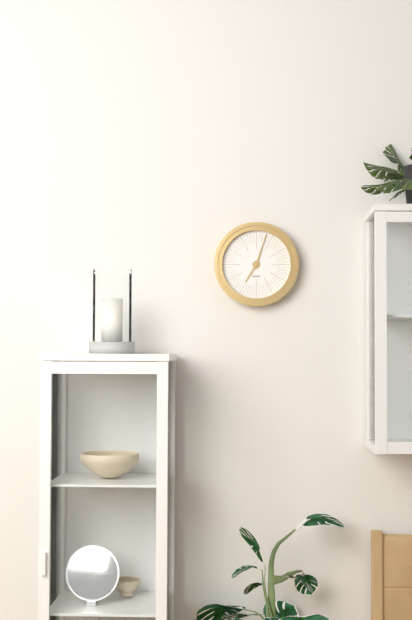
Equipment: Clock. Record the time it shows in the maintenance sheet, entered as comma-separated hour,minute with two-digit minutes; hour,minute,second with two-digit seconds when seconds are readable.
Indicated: 7,03
